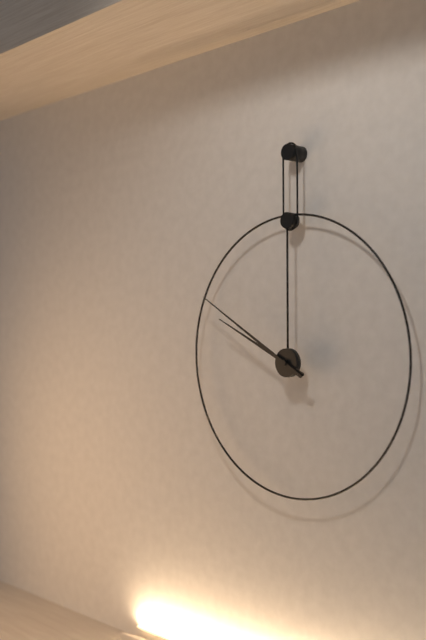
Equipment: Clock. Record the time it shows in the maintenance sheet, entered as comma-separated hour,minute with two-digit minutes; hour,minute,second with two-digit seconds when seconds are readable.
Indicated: 9,50
